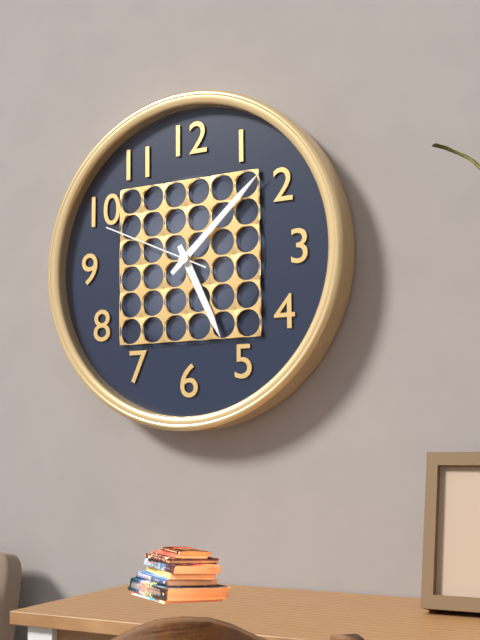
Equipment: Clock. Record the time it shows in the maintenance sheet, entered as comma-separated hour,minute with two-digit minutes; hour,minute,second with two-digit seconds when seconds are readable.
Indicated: 5,08,49
